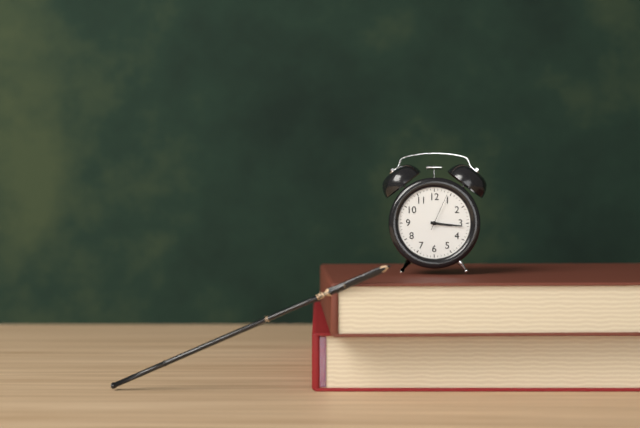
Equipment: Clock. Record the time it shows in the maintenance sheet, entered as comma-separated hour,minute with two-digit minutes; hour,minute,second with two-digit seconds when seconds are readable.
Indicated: 3,16
